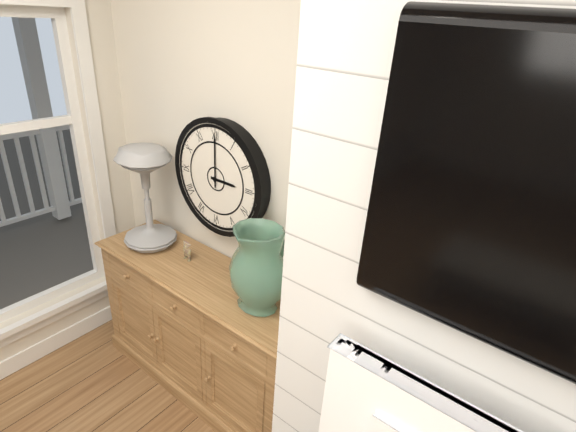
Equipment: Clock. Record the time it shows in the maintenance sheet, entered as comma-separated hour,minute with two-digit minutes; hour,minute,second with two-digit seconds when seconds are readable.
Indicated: 3,00
